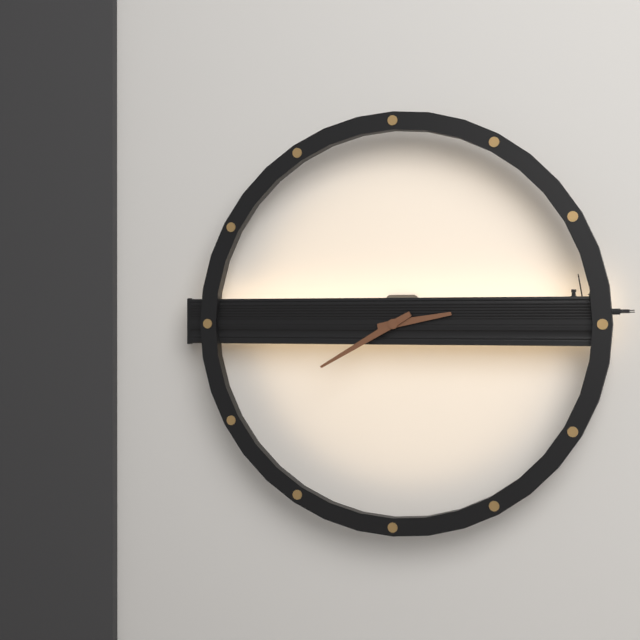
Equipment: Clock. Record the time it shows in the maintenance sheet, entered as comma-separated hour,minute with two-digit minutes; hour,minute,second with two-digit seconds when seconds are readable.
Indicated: 2,40
